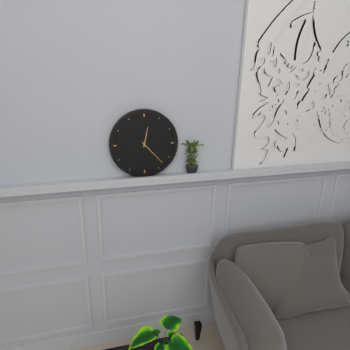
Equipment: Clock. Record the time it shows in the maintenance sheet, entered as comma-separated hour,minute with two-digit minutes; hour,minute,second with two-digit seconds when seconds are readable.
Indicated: 12,23
